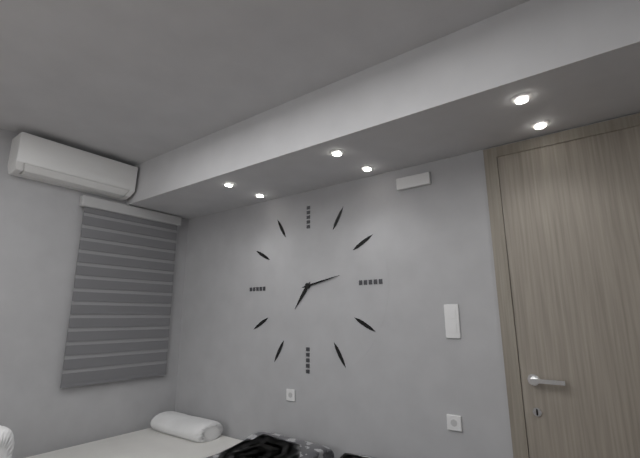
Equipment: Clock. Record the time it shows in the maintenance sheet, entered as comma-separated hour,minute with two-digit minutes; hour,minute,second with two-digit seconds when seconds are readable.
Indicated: 7,13
